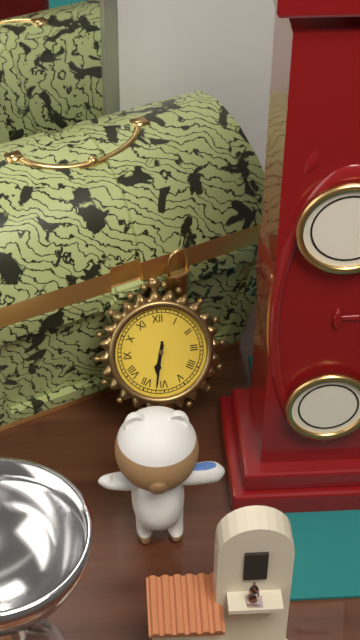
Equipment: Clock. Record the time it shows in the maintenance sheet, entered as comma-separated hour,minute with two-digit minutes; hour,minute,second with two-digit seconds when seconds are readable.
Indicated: 6,32
